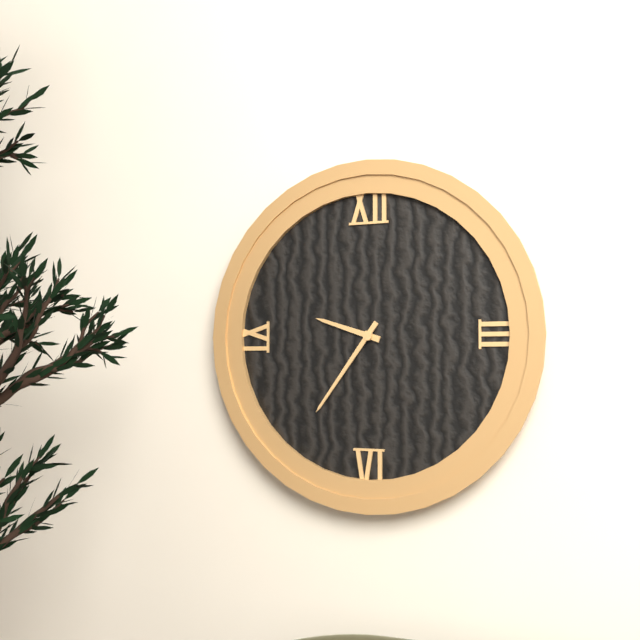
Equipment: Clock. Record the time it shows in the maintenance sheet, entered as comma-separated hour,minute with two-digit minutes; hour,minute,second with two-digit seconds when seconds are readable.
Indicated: 9,36
